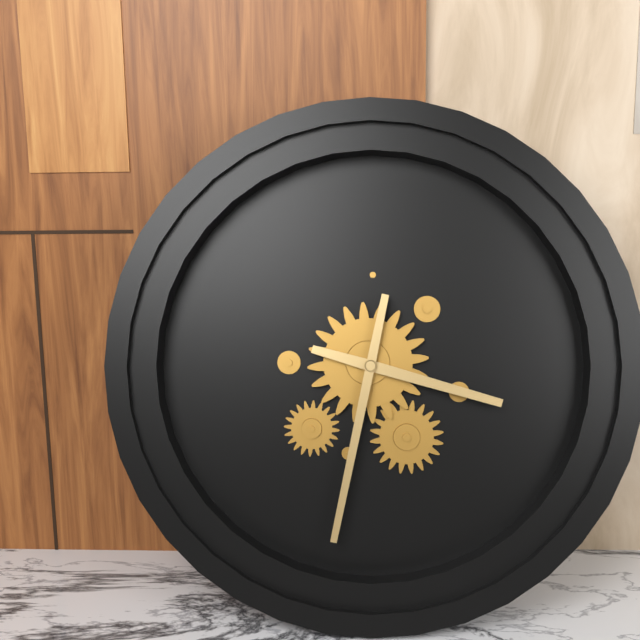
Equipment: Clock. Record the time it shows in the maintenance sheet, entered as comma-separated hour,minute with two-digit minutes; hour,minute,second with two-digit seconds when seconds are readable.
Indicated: 3,32
